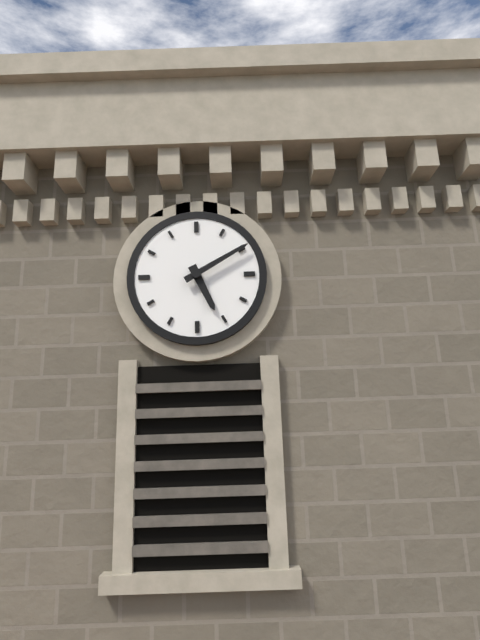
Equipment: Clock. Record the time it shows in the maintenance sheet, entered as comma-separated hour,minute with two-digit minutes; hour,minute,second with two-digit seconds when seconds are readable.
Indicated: 5,10
